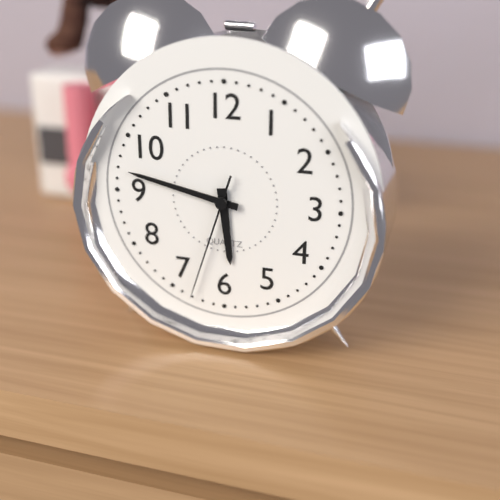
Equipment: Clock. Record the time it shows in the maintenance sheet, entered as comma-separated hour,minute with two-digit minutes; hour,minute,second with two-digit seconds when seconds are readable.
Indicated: 5,47,33
